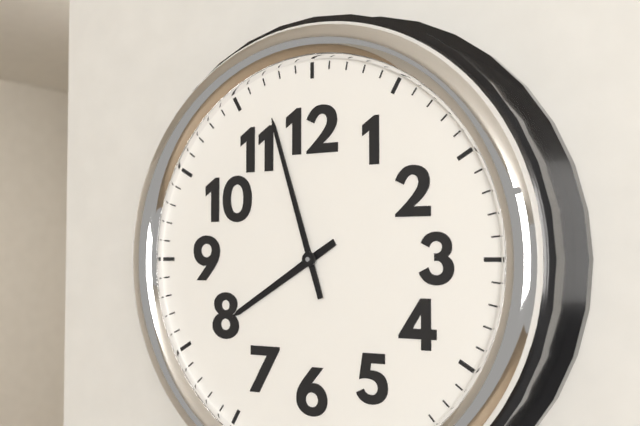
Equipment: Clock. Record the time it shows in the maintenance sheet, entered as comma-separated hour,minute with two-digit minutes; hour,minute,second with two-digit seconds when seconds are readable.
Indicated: 7,57
